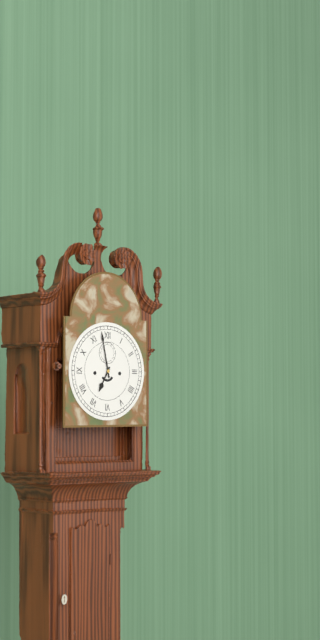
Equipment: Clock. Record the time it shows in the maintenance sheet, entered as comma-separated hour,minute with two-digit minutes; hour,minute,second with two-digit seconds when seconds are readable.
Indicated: 6,58
